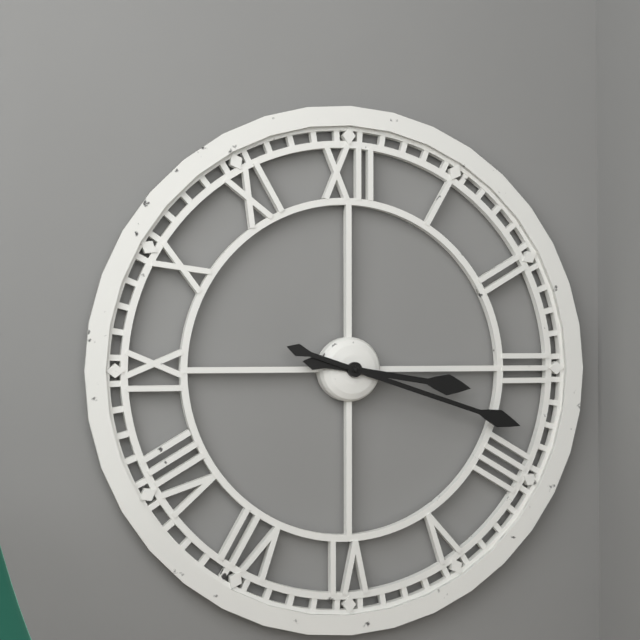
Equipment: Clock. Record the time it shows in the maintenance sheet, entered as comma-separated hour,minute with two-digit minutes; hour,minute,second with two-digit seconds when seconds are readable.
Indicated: 3,18
